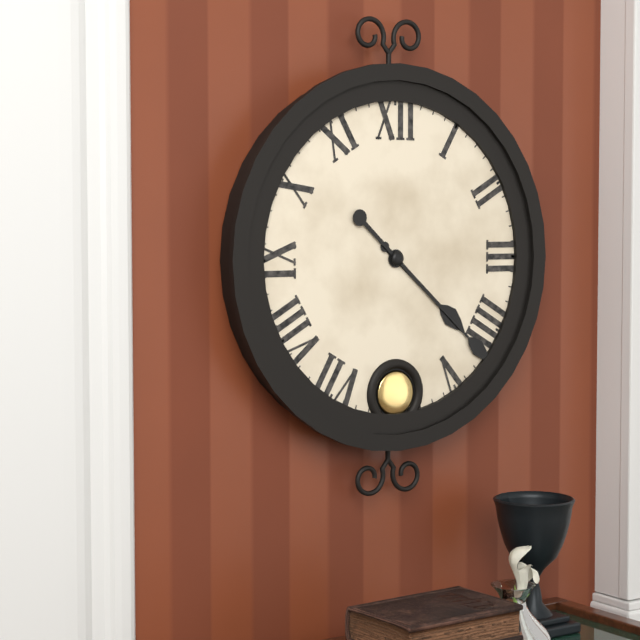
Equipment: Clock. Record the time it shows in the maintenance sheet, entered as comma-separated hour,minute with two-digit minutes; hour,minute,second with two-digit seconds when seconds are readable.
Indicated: 4,22
